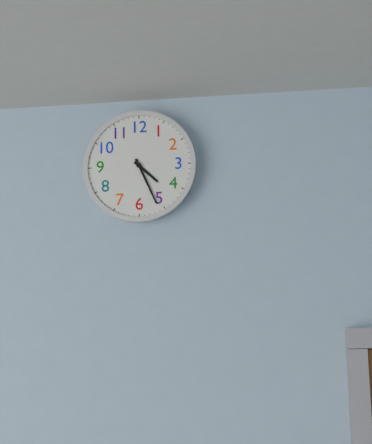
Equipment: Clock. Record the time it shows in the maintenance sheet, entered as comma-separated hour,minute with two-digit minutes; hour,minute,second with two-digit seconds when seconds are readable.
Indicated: 4,26
